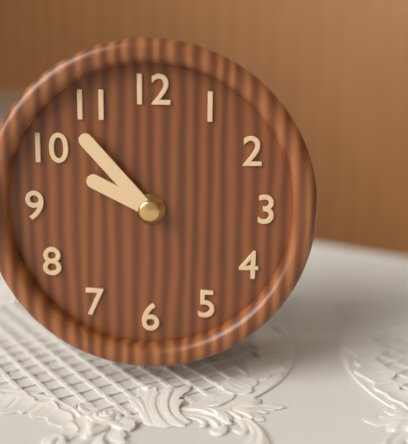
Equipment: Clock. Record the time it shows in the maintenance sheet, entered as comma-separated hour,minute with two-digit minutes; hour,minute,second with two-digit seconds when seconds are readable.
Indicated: 9,53
